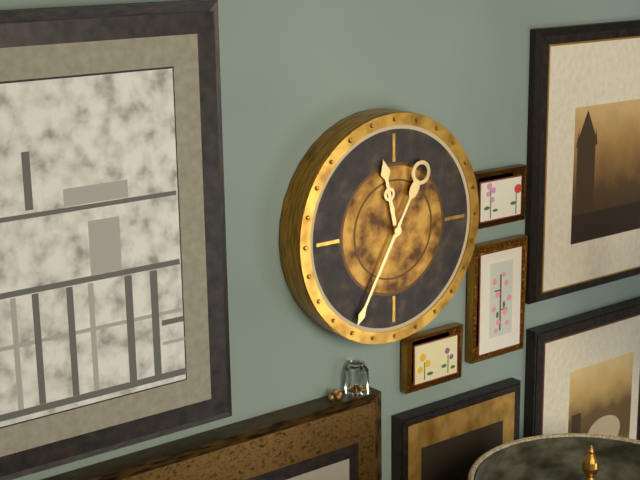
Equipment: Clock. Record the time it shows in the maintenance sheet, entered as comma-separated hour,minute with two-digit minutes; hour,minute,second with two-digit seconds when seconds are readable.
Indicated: 11,35
